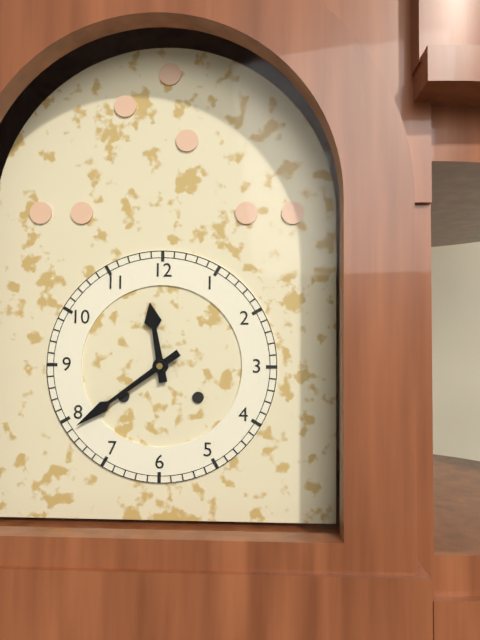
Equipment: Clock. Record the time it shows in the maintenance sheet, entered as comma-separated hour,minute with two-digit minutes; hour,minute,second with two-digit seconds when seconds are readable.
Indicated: 11,39
